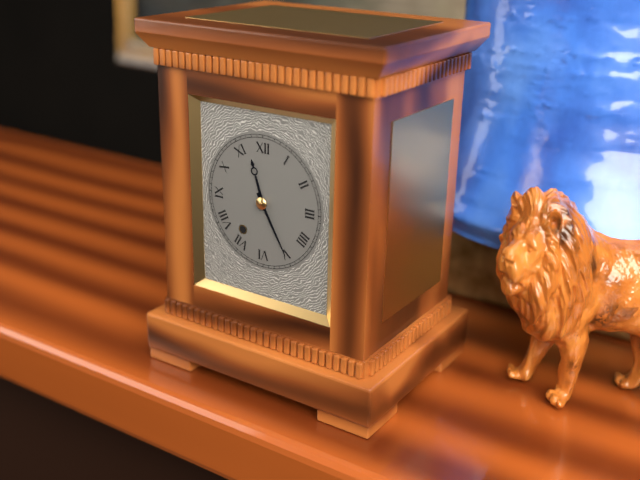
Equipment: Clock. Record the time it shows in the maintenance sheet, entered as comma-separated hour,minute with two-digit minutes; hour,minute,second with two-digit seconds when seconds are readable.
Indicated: 11,25
